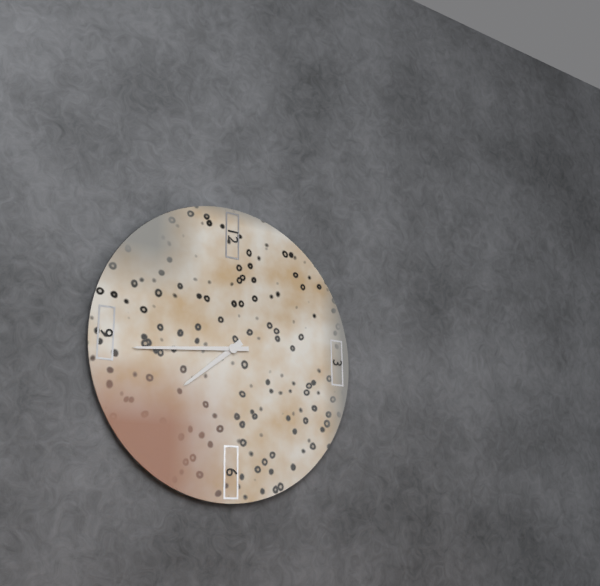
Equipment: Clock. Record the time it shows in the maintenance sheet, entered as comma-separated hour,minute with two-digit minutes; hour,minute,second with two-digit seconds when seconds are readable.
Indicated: 7,44
